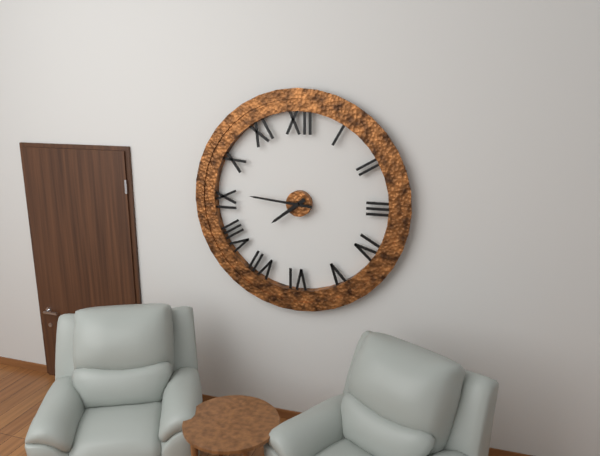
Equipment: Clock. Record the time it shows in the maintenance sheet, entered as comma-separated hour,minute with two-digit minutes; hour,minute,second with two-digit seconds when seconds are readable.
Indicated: 7,46
